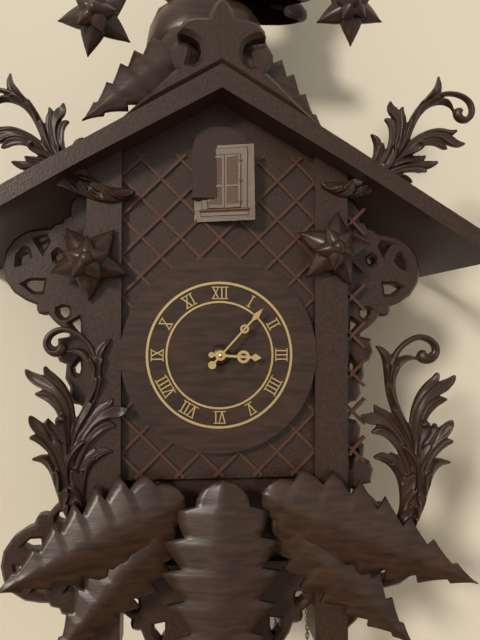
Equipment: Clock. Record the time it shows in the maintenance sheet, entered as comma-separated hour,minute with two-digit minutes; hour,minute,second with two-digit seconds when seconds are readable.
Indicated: 3,07
